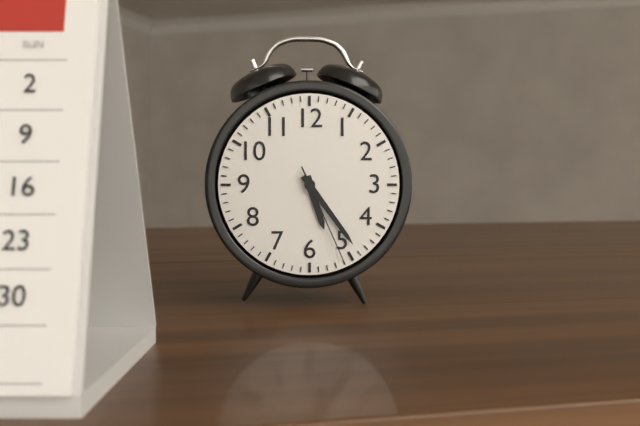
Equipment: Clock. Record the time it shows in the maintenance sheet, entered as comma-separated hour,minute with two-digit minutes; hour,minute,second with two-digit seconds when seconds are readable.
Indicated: 5,24,26
